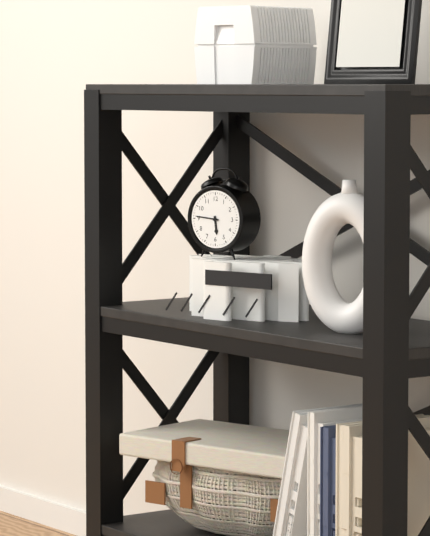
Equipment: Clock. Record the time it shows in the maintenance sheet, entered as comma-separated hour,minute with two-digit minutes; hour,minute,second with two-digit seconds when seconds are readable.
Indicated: 5,46
